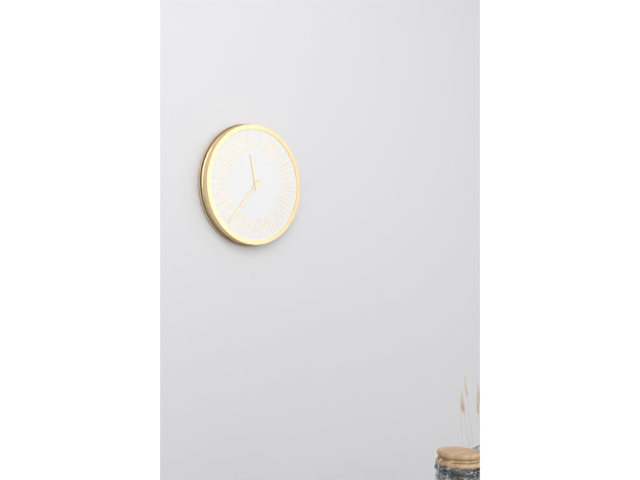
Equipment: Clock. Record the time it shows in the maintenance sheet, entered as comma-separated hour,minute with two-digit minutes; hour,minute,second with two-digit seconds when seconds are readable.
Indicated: 11,37
